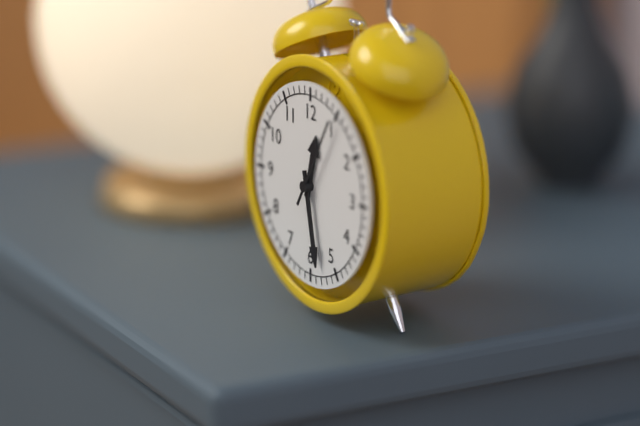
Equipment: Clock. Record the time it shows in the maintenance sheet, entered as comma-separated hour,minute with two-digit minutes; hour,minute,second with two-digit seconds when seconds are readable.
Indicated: 12,28,05
